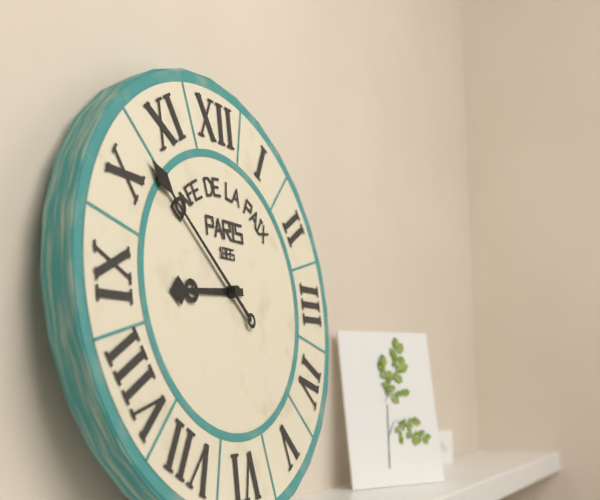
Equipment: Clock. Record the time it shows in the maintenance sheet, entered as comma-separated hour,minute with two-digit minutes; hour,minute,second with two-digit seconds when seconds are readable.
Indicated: 8,52
